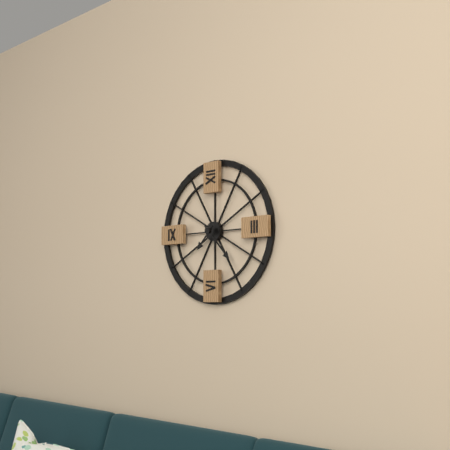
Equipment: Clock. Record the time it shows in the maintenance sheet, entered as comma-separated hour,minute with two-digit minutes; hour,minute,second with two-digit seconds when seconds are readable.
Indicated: 7,23
